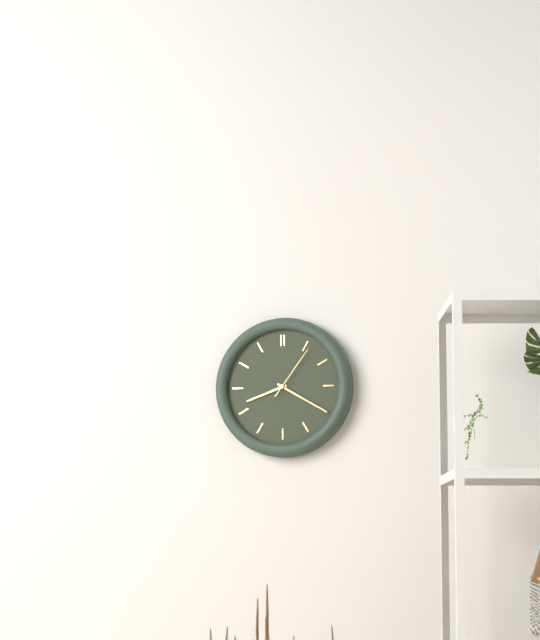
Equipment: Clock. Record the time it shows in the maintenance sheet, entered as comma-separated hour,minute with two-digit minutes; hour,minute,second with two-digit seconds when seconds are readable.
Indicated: 8,20,06
